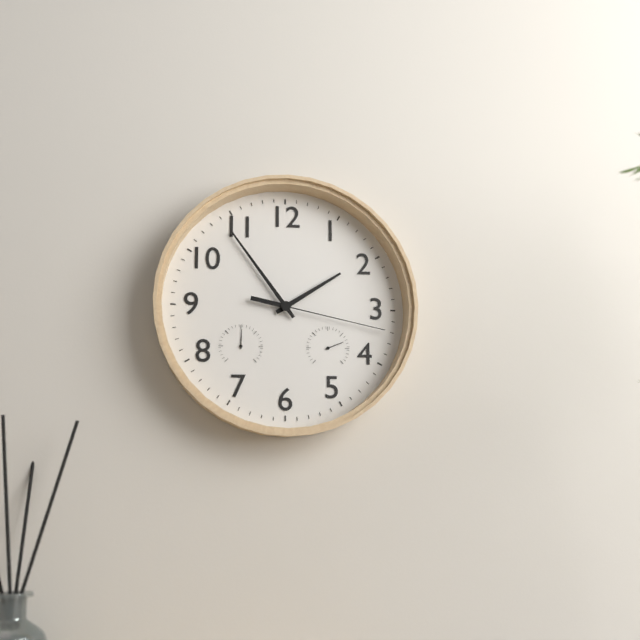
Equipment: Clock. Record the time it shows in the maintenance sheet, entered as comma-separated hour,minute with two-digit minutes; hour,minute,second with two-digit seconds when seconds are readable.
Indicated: 1,54,17
